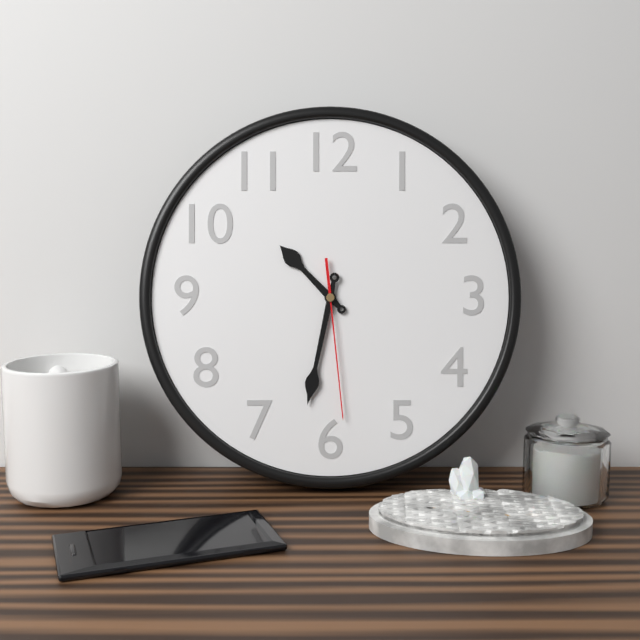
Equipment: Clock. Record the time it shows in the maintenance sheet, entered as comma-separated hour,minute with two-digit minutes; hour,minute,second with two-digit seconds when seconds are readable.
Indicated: 10,32,29
